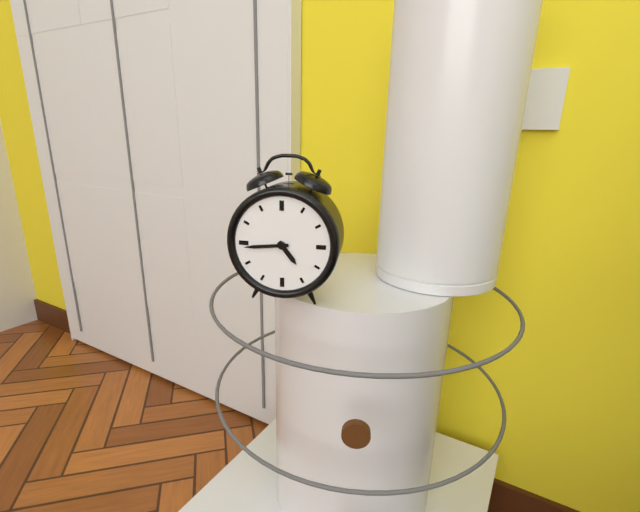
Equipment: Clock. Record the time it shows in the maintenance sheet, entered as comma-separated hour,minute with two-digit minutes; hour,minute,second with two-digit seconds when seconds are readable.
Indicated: 4,44
